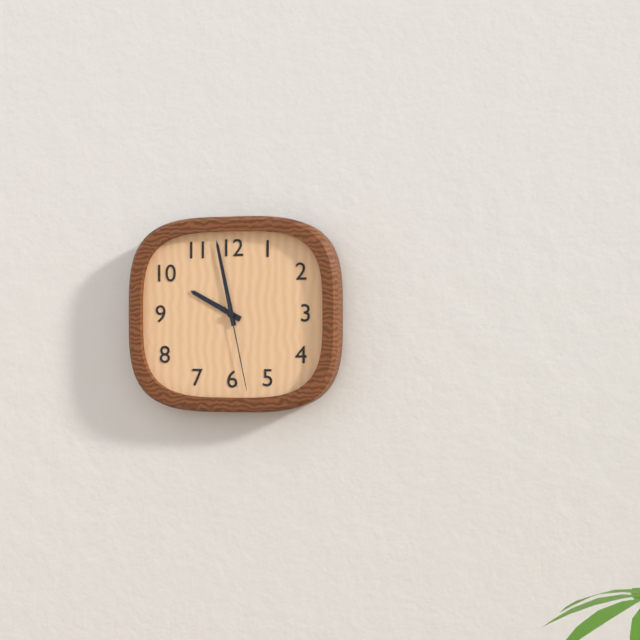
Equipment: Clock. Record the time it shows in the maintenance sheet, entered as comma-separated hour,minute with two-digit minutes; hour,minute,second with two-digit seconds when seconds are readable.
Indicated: 9,58,28
